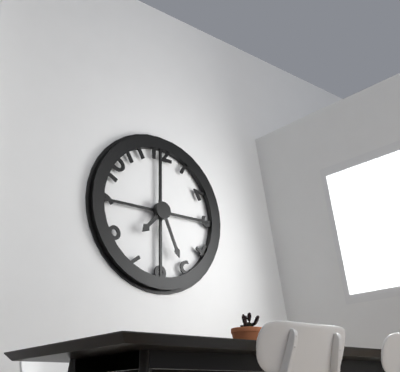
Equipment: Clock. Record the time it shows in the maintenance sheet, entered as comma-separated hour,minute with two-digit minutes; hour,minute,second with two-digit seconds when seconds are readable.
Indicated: 7,26
